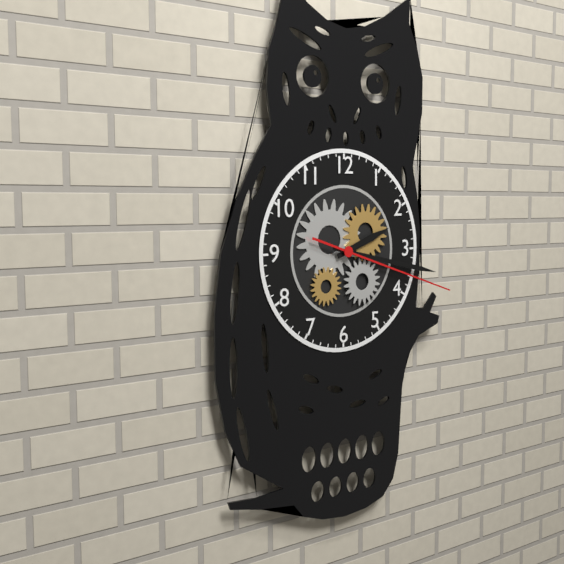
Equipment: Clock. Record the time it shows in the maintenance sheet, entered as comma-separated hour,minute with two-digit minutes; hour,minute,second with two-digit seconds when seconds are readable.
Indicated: 2,17,18
